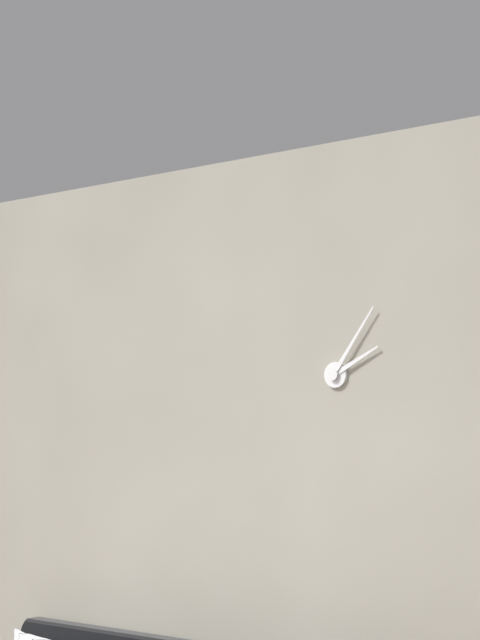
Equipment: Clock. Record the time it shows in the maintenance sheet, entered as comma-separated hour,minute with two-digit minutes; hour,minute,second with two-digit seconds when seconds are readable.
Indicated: 2,06
